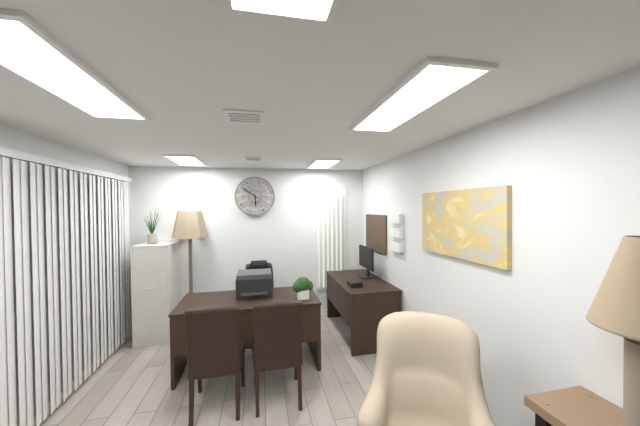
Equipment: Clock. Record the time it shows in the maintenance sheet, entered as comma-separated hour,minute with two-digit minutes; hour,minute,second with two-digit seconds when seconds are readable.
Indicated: 5,51
